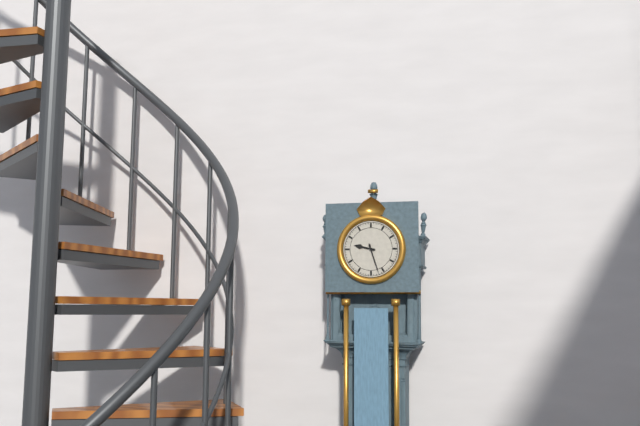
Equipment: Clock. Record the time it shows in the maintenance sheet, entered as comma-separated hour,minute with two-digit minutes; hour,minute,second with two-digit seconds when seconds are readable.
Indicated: 9,27
